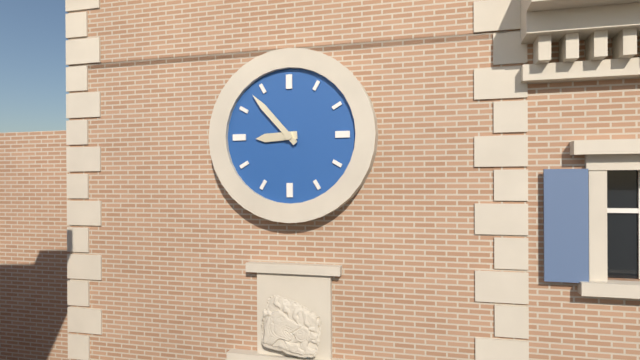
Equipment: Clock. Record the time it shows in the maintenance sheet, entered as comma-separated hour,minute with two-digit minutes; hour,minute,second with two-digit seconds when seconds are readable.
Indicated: 8,53
